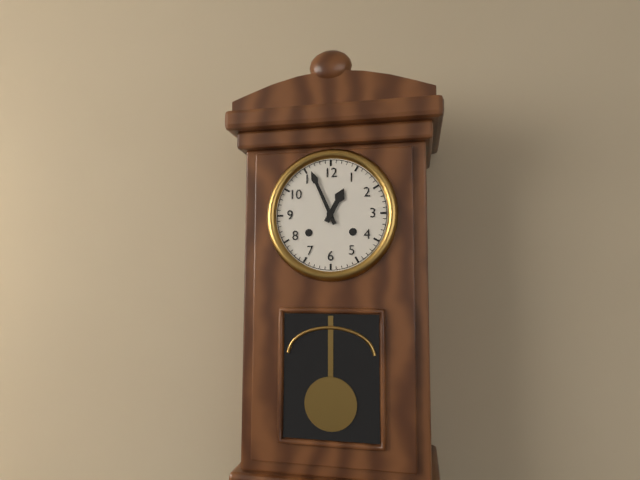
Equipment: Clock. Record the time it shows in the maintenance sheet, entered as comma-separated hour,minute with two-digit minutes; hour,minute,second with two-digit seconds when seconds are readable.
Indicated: 12,56
